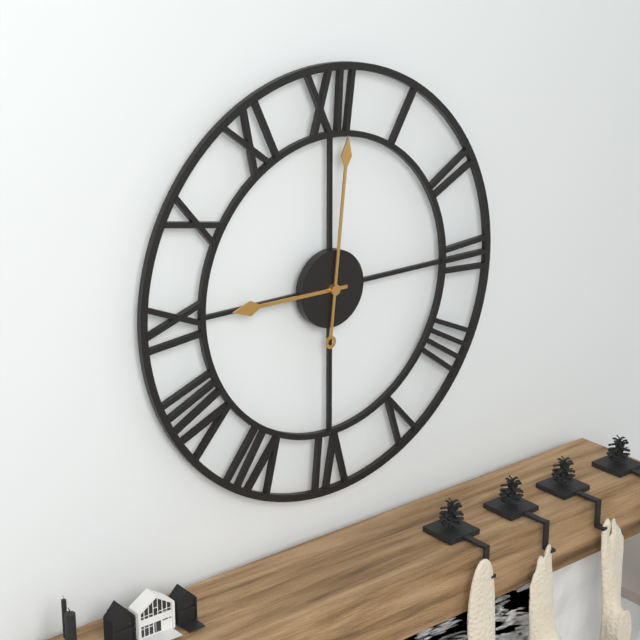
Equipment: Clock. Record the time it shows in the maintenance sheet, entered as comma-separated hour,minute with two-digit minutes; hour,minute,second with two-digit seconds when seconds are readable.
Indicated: 9,01
